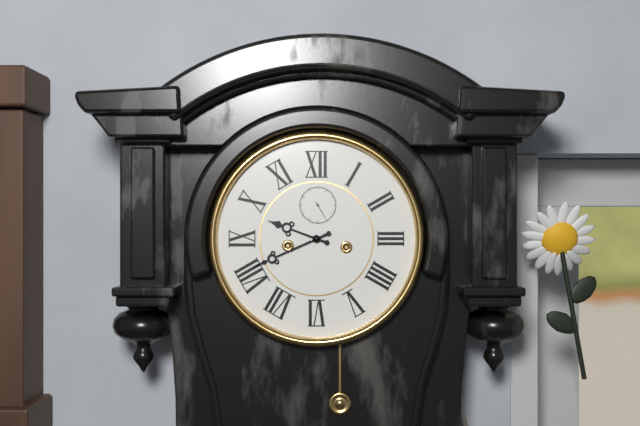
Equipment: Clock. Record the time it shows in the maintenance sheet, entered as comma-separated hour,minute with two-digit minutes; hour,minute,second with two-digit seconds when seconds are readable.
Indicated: 9,41
